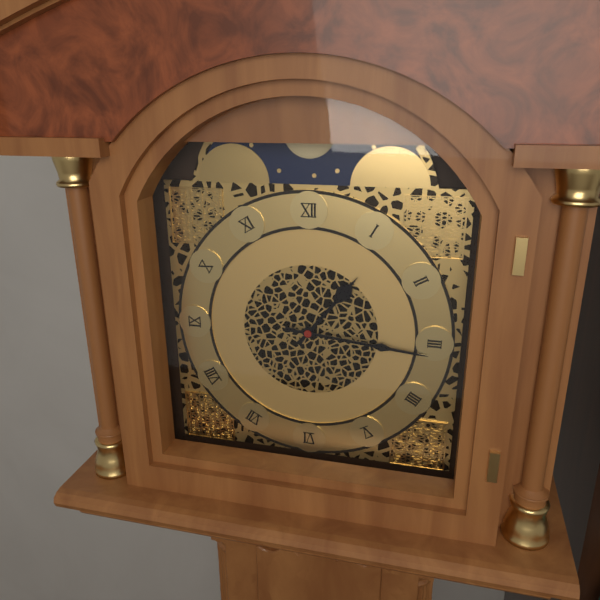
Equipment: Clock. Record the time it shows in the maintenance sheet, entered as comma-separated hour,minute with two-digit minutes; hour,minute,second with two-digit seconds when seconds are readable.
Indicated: 1,16
